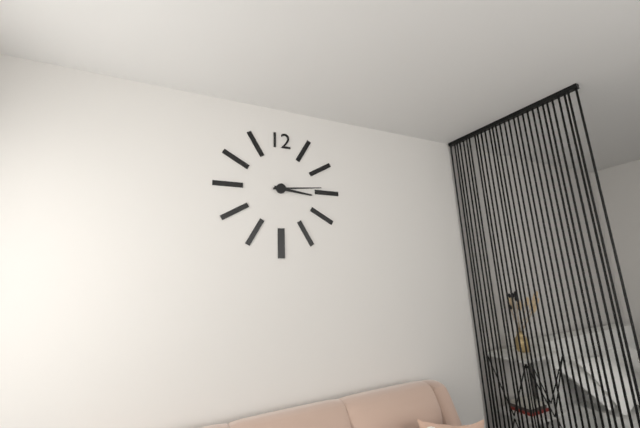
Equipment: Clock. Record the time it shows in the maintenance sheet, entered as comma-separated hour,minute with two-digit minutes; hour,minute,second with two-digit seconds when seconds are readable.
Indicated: 3,14
